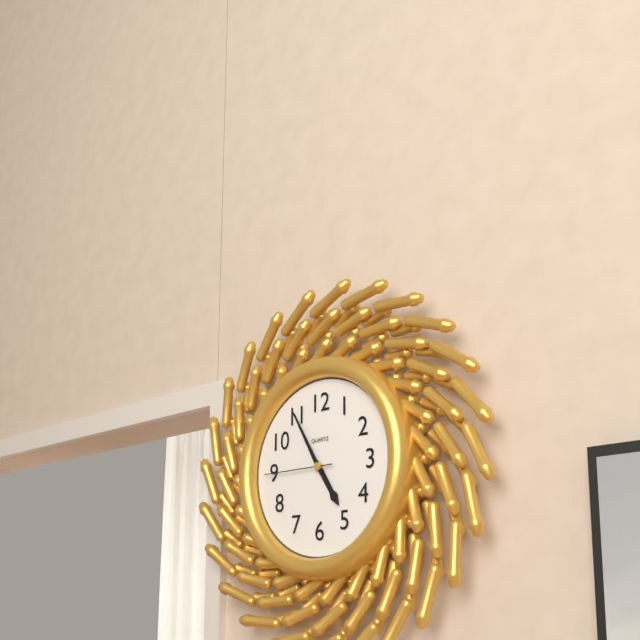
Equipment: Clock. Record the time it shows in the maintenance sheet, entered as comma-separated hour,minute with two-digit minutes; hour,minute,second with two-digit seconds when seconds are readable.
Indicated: 4,55,45
